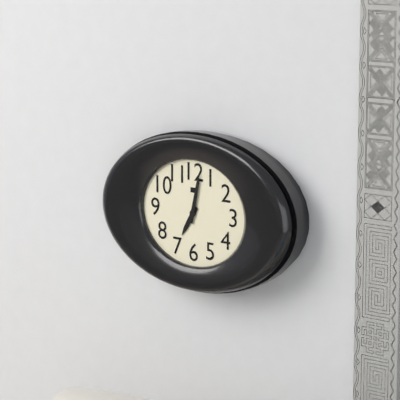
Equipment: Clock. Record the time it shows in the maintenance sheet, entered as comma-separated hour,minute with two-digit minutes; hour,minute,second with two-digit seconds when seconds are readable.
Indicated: 7,02
